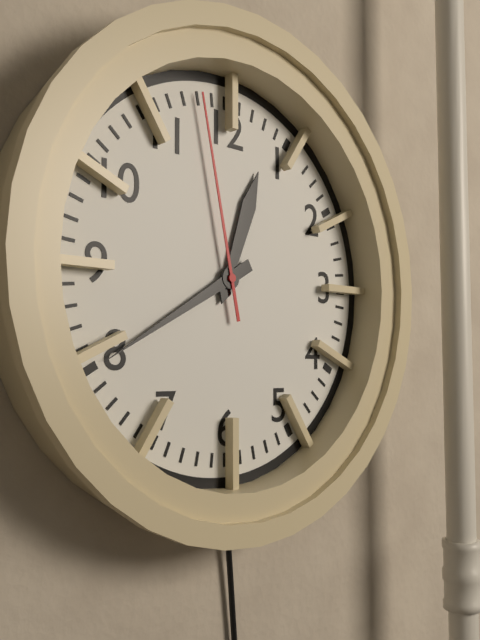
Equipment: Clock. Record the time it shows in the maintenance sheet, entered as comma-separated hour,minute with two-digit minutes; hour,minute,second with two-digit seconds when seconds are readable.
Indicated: 12,40,58
